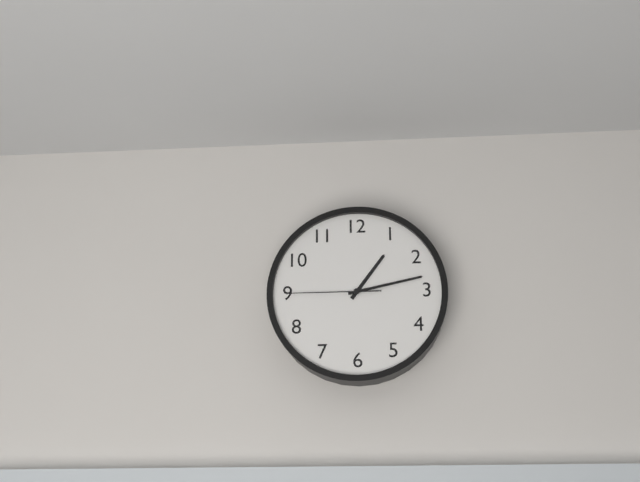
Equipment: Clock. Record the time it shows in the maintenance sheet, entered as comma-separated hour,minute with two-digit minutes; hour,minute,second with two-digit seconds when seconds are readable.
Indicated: 1,13,45
